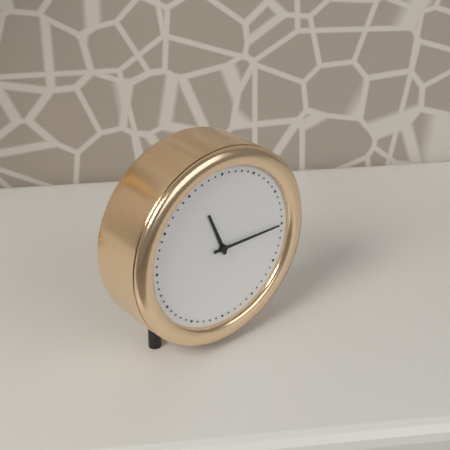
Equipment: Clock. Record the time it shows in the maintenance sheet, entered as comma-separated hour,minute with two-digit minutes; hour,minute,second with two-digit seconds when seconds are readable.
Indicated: 11,15
